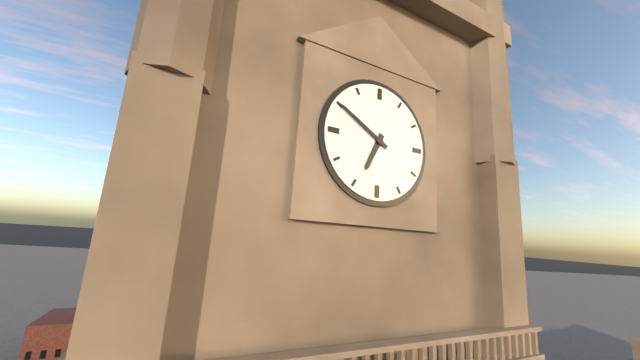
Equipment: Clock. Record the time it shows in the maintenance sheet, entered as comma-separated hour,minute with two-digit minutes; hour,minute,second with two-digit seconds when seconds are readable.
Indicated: 6,50
